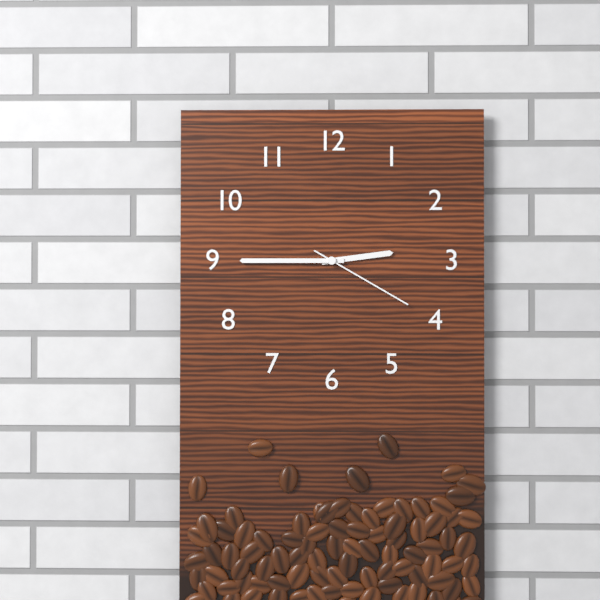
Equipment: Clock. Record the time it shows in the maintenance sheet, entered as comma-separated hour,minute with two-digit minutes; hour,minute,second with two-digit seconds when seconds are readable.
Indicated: 2,45,20
